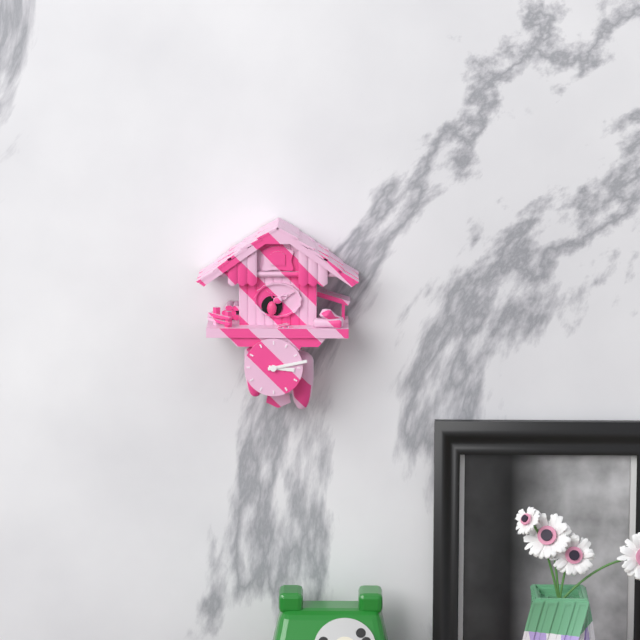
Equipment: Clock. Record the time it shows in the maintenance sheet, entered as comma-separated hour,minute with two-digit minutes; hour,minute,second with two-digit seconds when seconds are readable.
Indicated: 3,13
